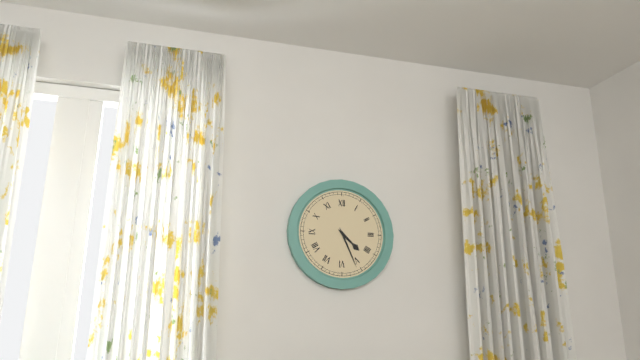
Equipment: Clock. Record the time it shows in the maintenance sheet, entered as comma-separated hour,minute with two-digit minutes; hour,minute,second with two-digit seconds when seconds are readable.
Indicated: 4,26
